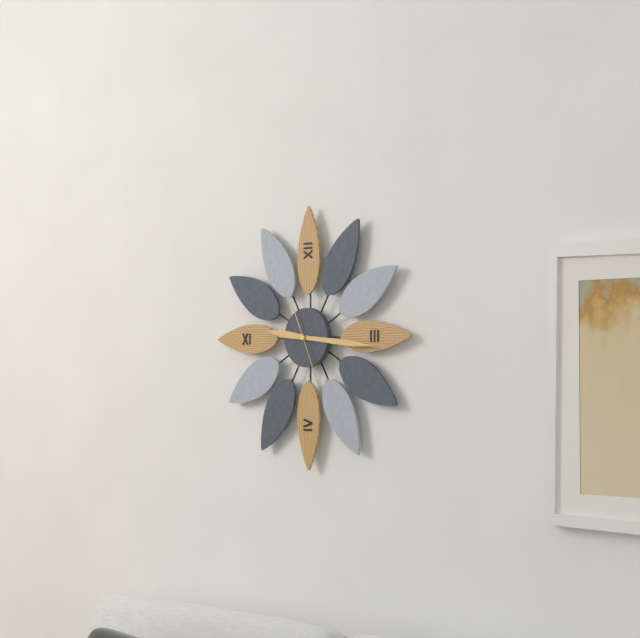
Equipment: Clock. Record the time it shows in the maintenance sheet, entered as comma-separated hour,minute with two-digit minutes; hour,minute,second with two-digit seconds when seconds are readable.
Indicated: 9,16,26
